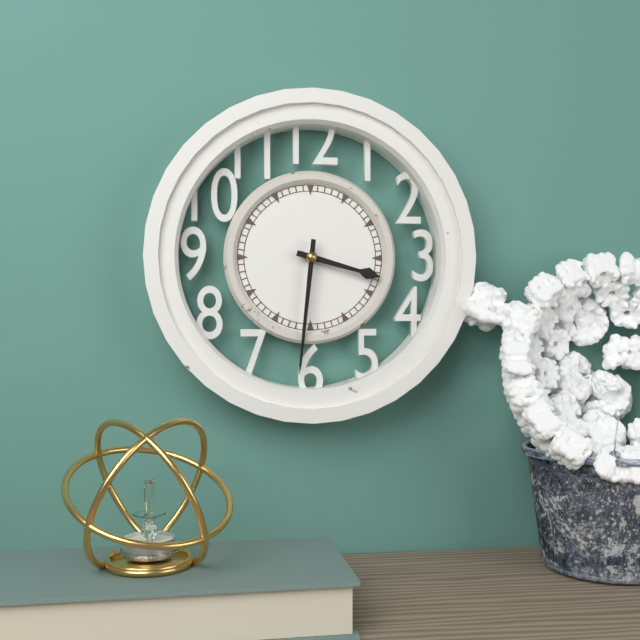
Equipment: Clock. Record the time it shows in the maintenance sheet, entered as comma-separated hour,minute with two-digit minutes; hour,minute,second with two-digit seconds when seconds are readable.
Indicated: 3,31
